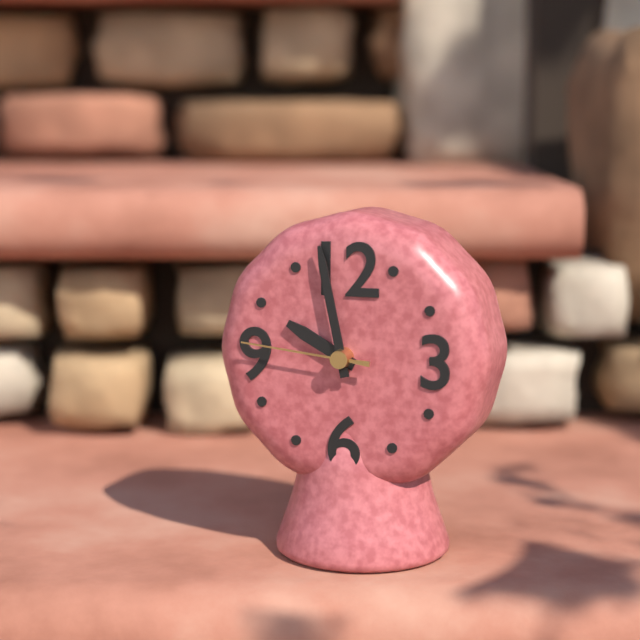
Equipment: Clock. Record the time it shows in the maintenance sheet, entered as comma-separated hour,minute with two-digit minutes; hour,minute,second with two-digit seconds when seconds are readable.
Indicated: 9,58,46
